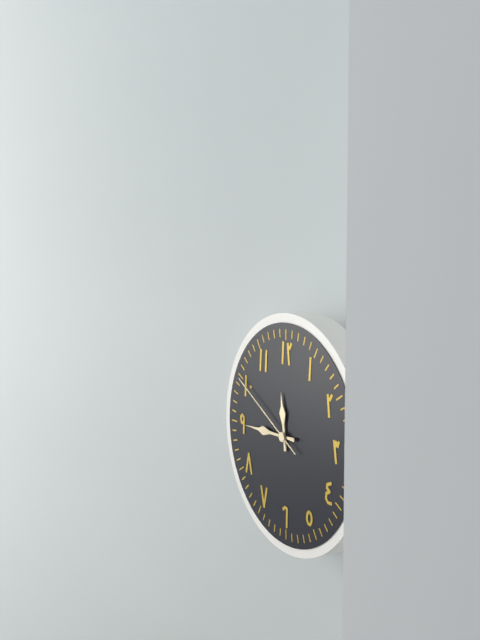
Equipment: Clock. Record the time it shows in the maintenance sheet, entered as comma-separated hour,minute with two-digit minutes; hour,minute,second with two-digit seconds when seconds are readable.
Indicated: 11,45,50
